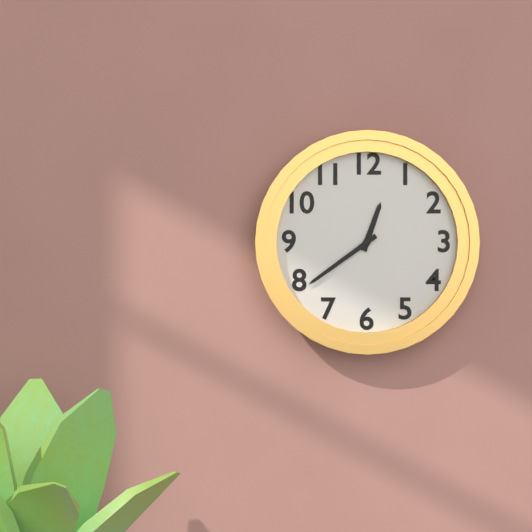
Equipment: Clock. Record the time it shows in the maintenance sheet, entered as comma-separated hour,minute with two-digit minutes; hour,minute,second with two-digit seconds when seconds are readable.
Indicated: 12,39
